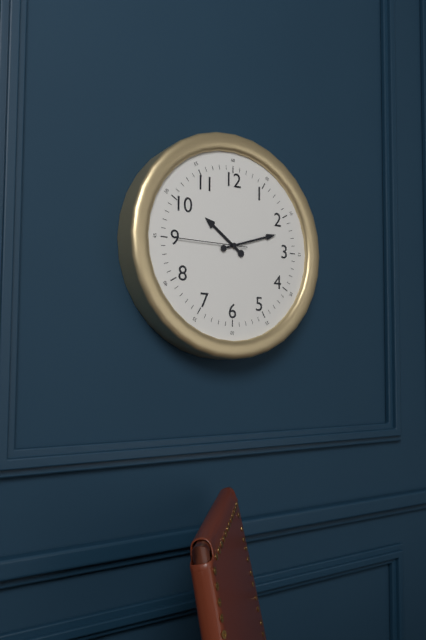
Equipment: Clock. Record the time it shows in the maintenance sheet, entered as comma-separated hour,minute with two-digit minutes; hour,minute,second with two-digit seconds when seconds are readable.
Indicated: 10,12,45
